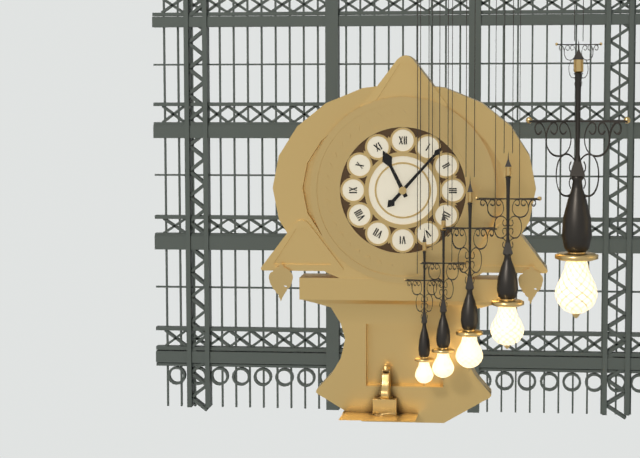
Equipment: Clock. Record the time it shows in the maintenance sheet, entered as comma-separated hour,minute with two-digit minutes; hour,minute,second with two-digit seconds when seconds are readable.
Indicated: 11,07
